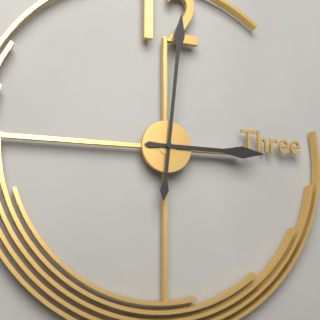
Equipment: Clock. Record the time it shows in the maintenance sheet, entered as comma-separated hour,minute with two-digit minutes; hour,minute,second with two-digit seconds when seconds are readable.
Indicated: 3,01
